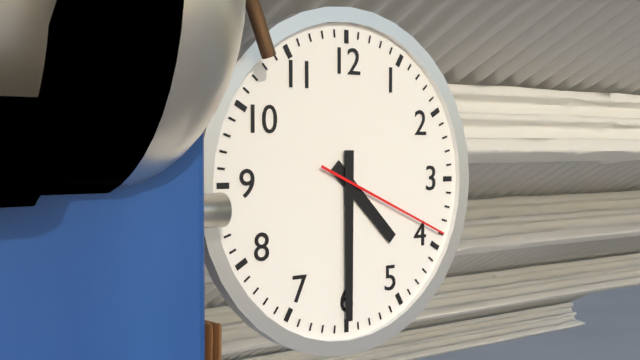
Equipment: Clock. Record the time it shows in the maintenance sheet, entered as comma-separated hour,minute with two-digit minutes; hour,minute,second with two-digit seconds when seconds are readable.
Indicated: 4,30,19
